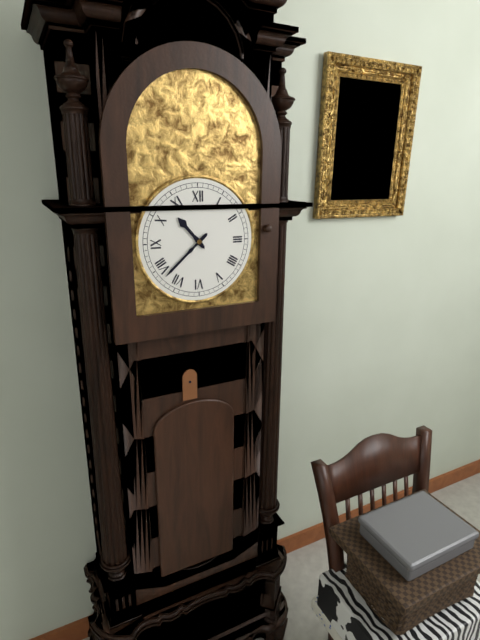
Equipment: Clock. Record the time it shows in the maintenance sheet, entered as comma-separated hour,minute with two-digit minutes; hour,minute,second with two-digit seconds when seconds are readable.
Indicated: 10,38
